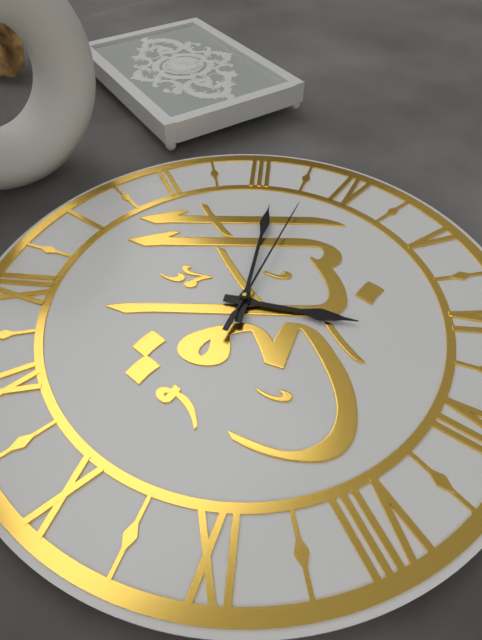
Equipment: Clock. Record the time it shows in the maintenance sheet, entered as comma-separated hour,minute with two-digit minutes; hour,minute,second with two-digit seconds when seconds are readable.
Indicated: 6,16,18
